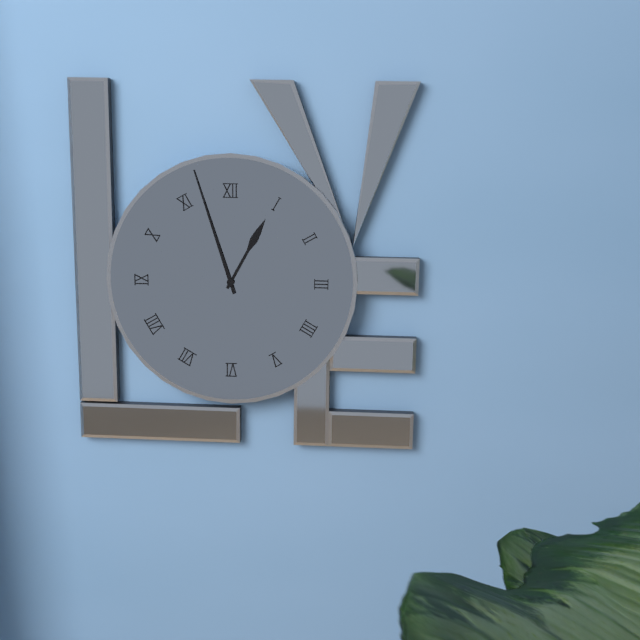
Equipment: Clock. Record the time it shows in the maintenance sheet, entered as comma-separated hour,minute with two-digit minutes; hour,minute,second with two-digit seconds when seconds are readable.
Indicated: 12,57
